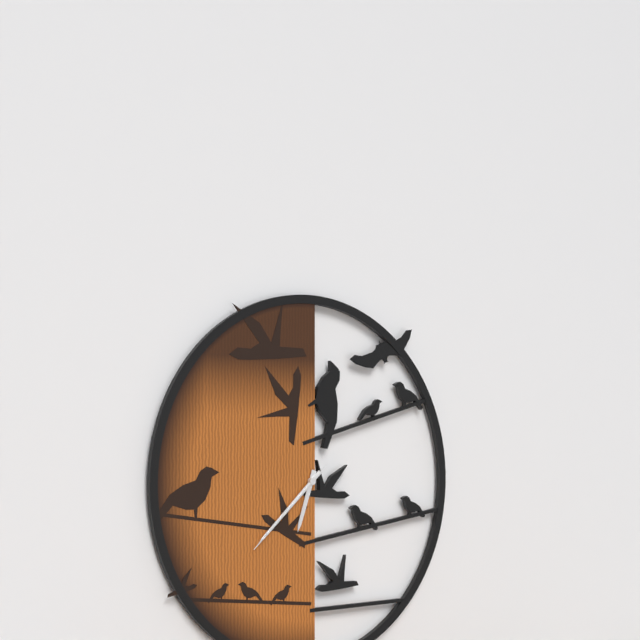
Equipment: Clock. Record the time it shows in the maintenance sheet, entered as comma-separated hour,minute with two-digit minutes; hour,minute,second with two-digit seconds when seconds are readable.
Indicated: 6,38,38
